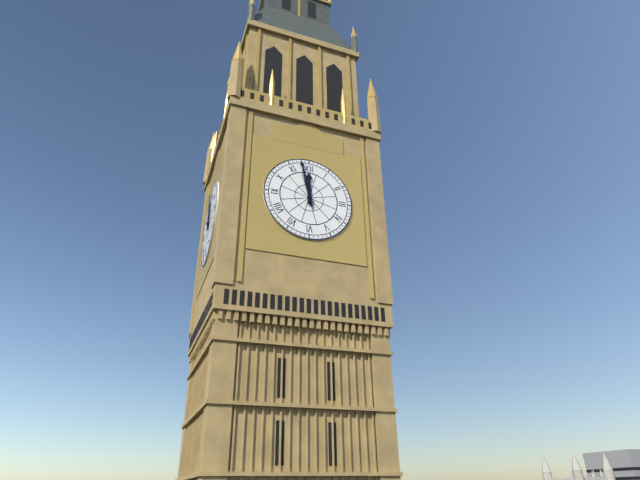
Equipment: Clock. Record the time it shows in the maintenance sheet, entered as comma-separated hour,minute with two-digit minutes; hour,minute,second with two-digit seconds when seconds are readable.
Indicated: 11,58
